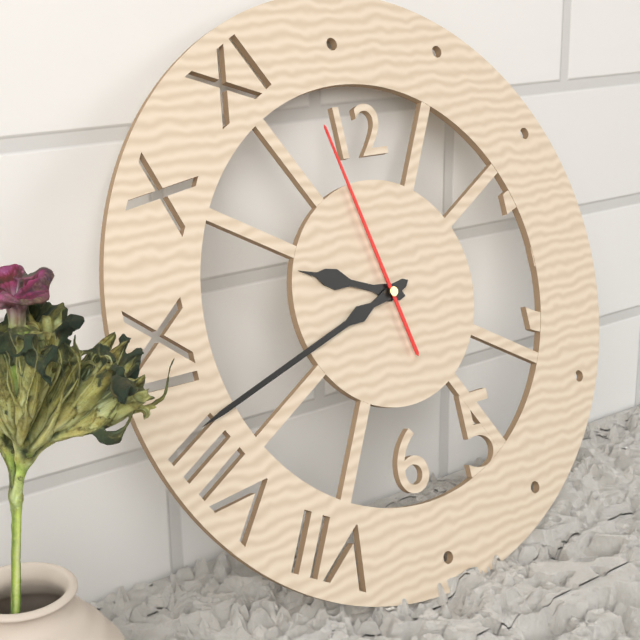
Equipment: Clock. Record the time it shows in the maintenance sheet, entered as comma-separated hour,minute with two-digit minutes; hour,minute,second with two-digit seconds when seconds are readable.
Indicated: 9,42,58
